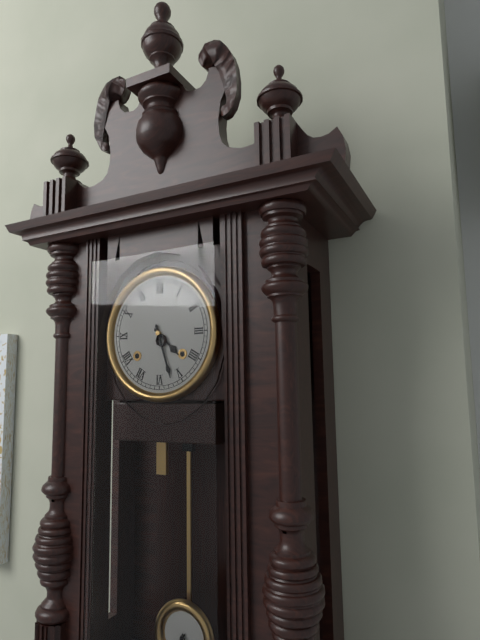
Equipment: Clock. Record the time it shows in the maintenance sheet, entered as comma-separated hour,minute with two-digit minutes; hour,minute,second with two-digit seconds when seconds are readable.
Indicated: 4,27
